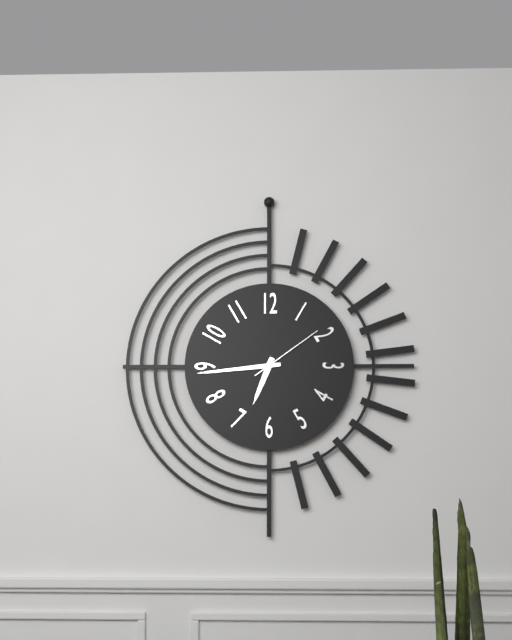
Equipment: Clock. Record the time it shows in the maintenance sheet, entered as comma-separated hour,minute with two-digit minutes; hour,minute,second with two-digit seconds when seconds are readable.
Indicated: 6,44,09
